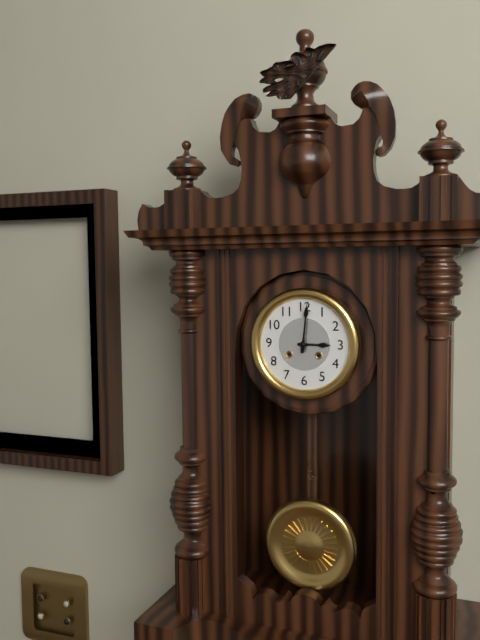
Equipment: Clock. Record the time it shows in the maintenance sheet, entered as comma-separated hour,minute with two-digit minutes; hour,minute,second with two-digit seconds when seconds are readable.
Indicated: 3,01
